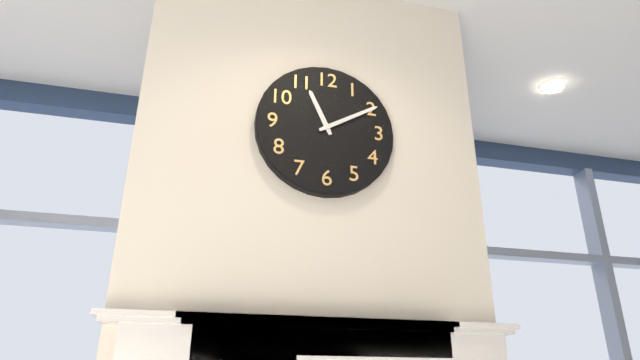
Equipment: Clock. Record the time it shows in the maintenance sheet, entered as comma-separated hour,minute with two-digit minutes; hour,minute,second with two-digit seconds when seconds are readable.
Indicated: 11,10
